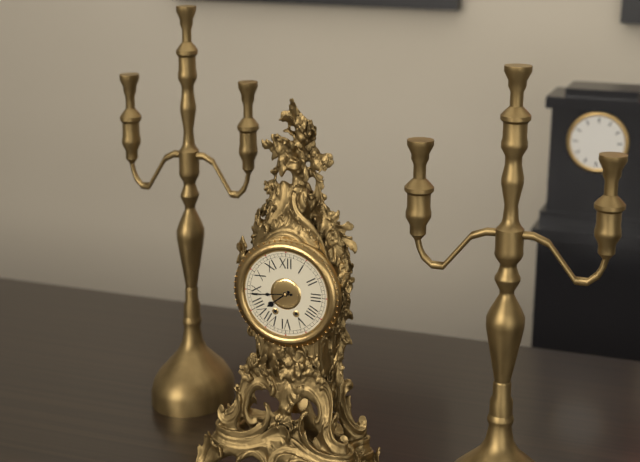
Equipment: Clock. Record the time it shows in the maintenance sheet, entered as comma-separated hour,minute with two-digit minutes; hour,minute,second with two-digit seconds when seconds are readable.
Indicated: 7,44
